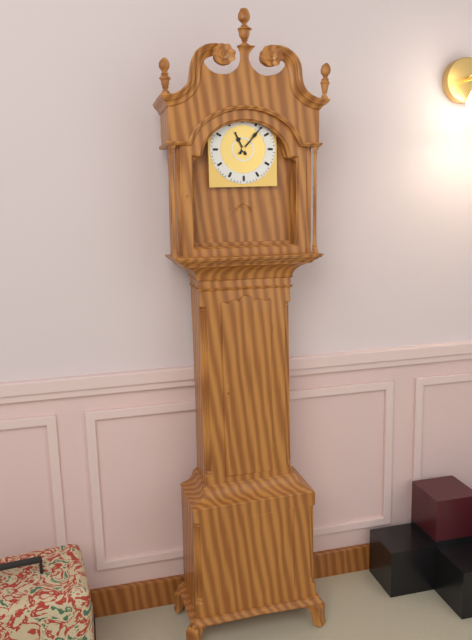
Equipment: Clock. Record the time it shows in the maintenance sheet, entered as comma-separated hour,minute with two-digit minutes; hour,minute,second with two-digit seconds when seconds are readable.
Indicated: 11,07
